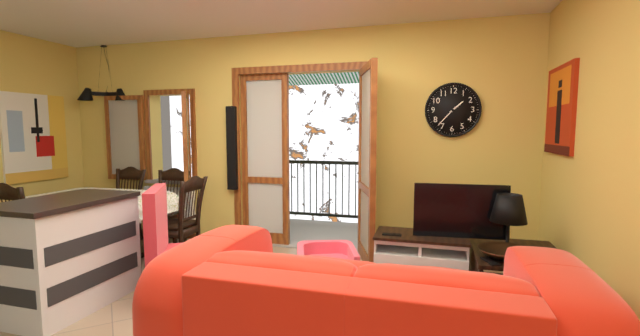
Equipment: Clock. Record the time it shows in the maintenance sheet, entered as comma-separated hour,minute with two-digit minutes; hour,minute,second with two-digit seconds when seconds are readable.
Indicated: 1,37
